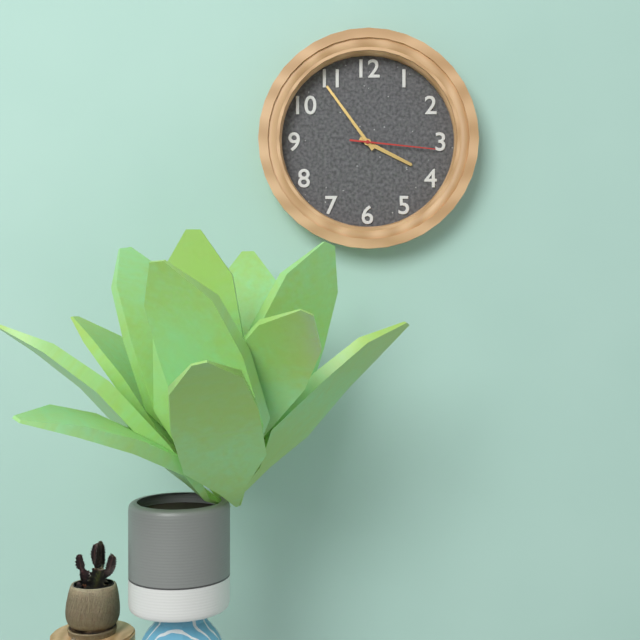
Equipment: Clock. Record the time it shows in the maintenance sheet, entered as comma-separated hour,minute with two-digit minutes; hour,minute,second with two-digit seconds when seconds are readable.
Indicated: 3,54,16
